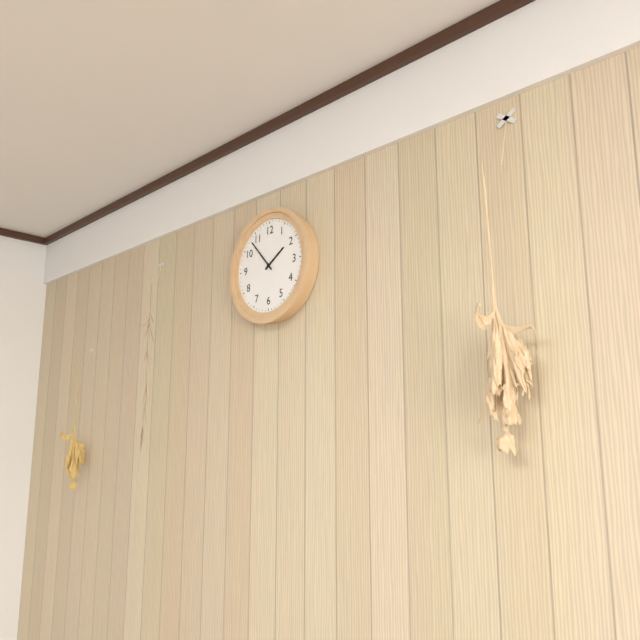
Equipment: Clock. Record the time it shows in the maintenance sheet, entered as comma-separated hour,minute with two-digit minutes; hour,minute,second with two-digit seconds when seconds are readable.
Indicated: 1,53
